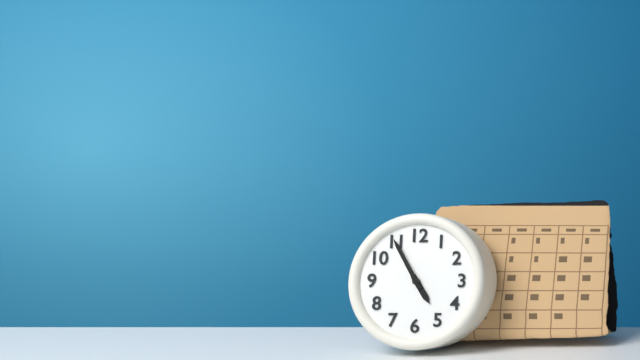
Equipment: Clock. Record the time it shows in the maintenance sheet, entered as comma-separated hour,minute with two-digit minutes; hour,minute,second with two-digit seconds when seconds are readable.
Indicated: 4,55
